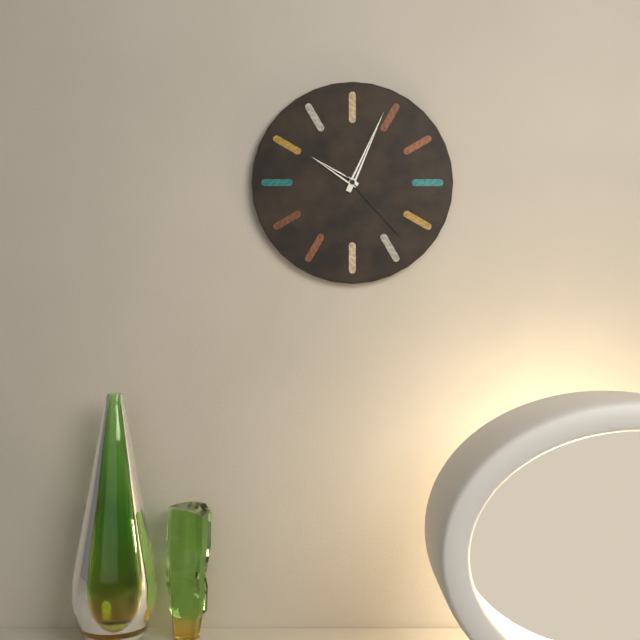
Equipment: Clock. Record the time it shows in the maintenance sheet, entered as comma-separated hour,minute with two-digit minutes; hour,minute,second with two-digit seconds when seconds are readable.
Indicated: 10,04,23
